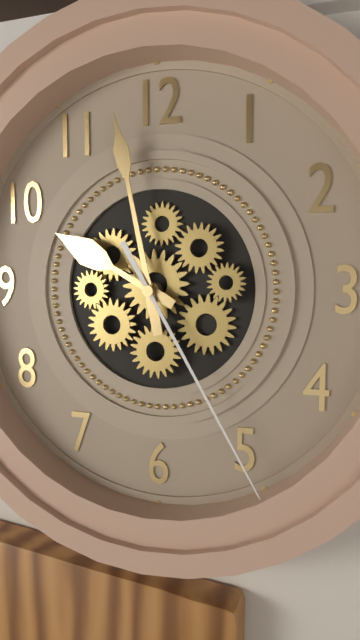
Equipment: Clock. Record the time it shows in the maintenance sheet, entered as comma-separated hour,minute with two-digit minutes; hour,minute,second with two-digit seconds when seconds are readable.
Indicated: 9,58,25
